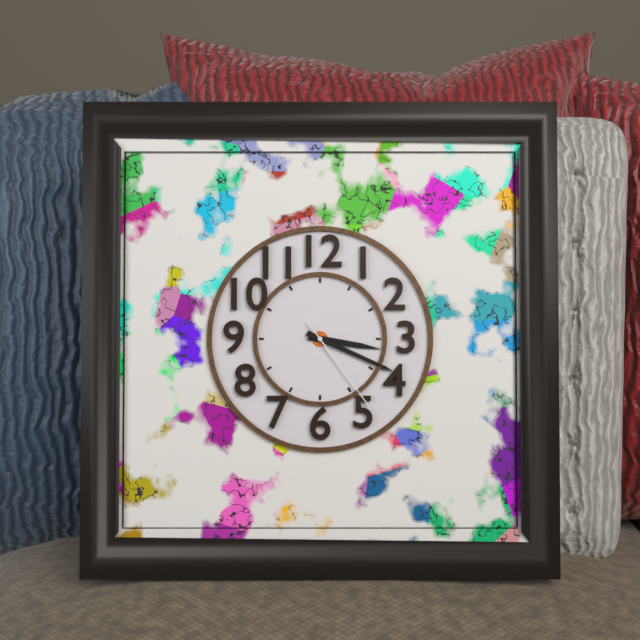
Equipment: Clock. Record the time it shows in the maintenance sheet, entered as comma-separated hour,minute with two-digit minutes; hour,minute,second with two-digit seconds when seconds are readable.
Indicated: 3,19,24
